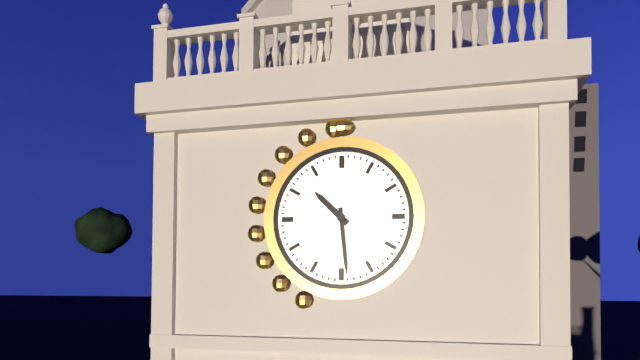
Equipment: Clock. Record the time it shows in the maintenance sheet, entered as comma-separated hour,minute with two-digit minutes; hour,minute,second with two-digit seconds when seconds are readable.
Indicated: 10,29
